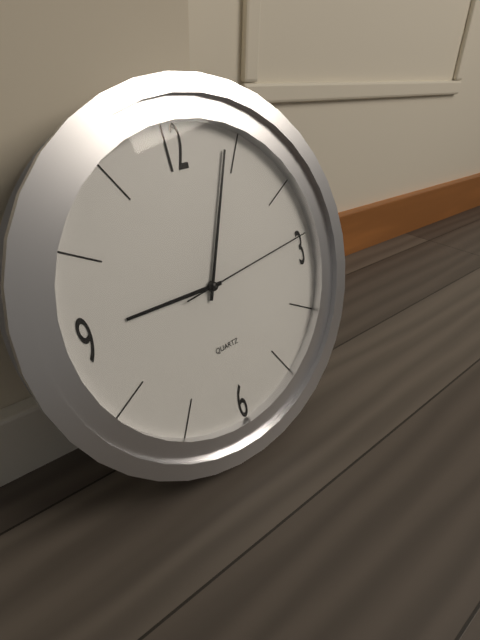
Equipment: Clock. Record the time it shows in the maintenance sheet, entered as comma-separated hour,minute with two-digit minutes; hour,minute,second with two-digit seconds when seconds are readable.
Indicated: 9,04,14
